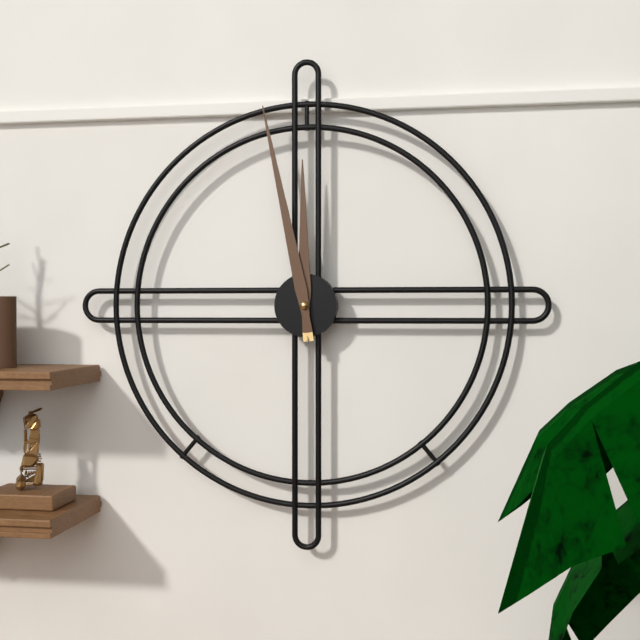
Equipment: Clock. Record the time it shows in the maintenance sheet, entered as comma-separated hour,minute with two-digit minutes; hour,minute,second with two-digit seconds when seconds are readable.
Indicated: 11,58
